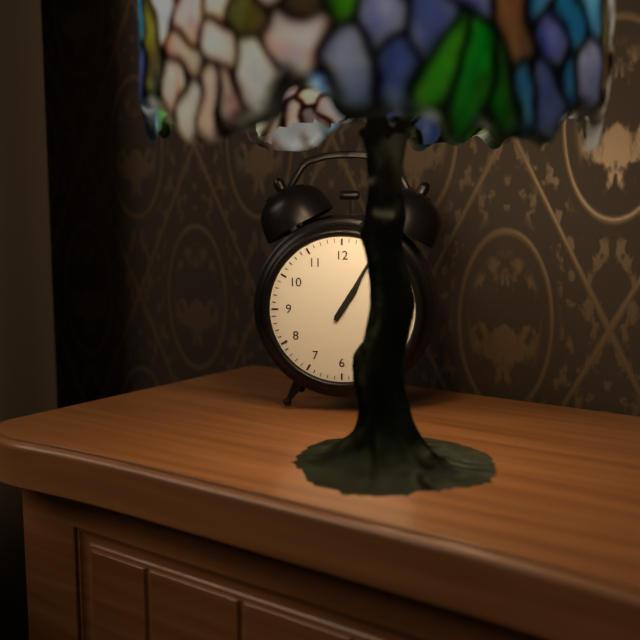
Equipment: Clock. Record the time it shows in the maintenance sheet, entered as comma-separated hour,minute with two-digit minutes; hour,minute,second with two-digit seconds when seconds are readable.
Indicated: 1,05
